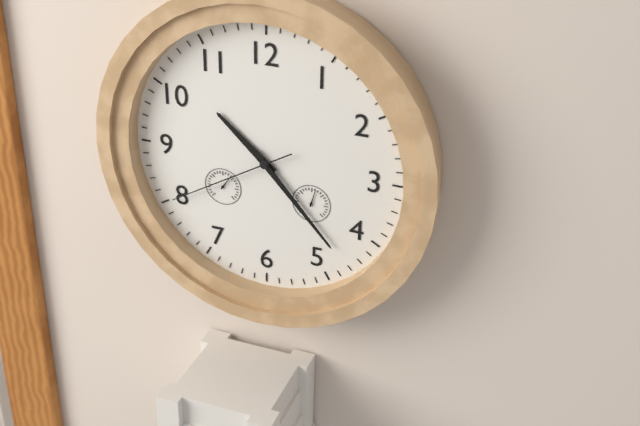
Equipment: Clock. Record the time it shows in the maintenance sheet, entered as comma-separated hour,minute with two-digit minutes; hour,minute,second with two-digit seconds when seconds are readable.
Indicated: 10,23,40
